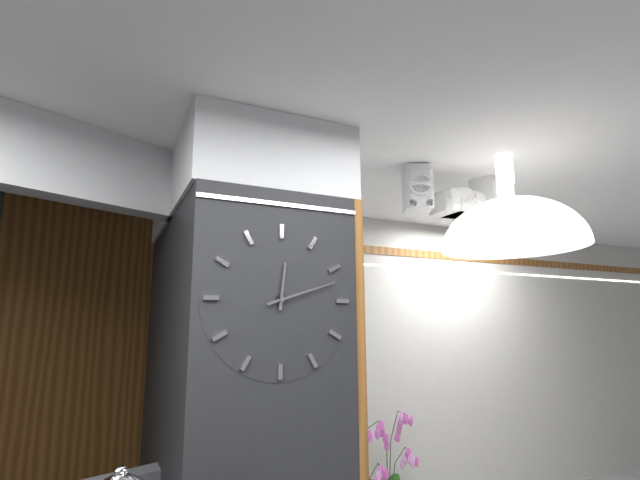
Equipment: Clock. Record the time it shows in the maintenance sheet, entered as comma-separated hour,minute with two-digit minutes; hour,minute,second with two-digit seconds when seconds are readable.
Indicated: 12,12
